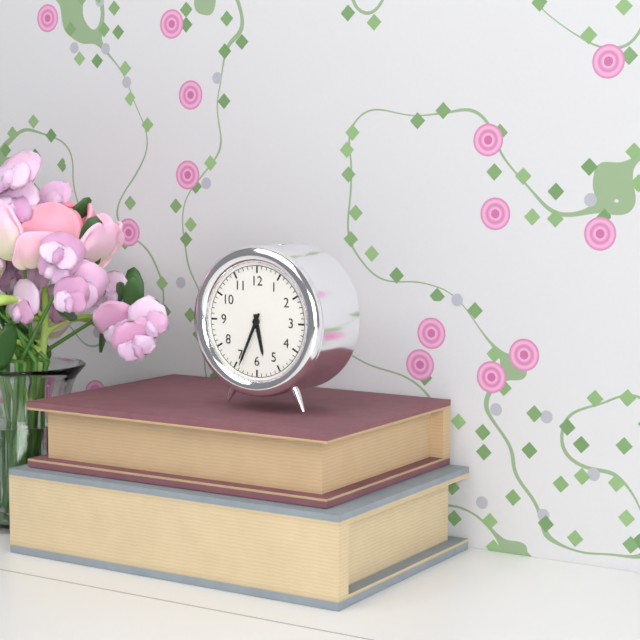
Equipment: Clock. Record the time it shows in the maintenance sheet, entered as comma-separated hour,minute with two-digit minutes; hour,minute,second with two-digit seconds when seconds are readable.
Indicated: 5,34
